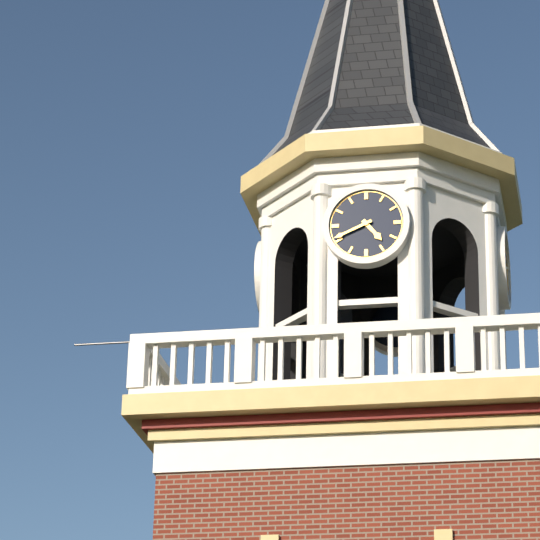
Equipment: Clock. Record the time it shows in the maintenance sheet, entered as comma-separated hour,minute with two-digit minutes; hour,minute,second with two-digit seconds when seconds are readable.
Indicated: 4,41
